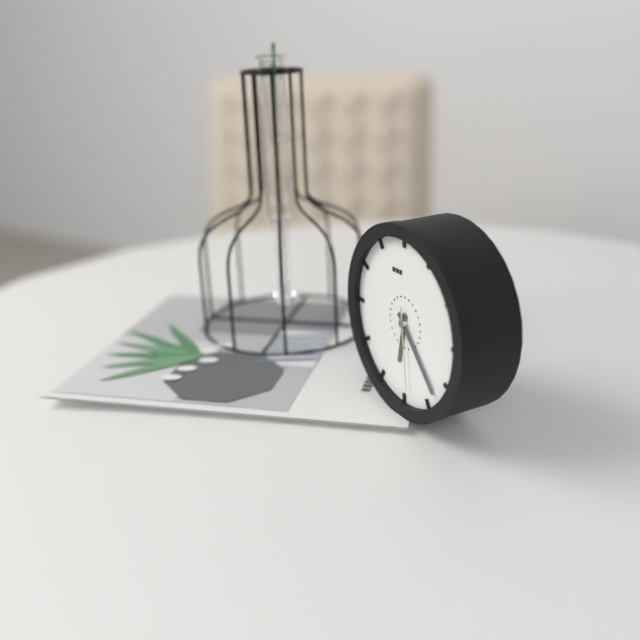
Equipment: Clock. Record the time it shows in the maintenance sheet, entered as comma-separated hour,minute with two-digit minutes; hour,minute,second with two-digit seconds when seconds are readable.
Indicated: 6,23,29
